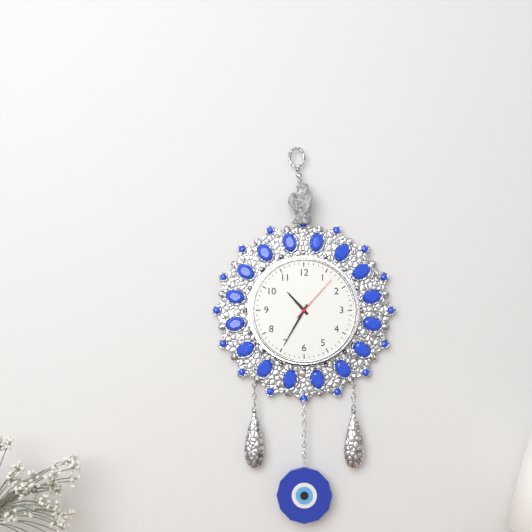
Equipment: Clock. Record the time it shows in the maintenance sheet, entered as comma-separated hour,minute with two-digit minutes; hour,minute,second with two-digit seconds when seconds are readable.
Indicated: 10,35,07
